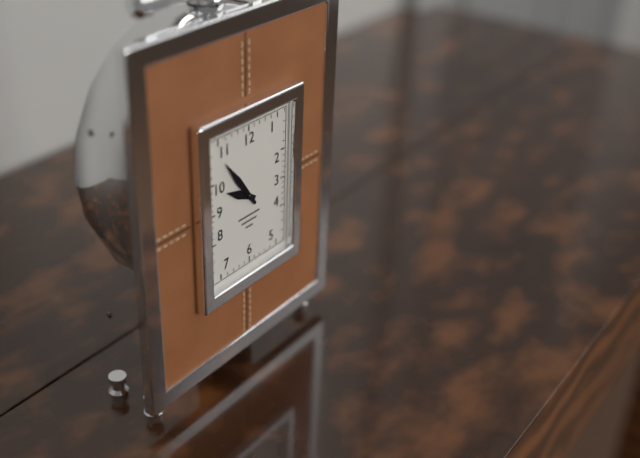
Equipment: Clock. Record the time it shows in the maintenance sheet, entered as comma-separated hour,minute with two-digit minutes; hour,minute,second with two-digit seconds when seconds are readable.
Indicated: 9,54
